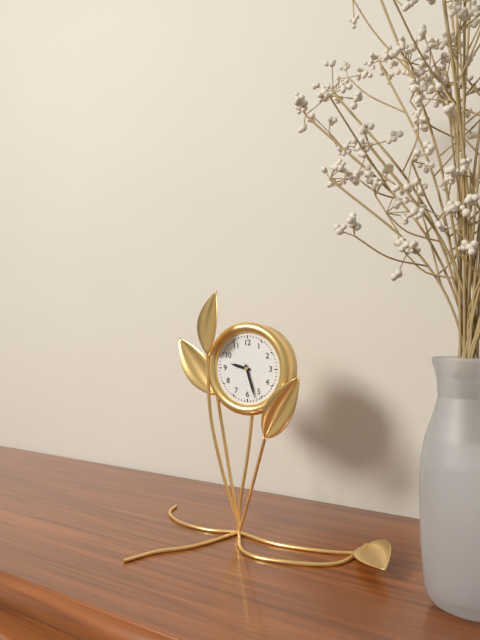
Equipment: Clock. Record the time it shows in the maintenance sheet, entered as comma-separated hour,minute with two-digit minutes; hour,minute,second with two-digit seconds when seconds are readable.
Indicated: 9,27
